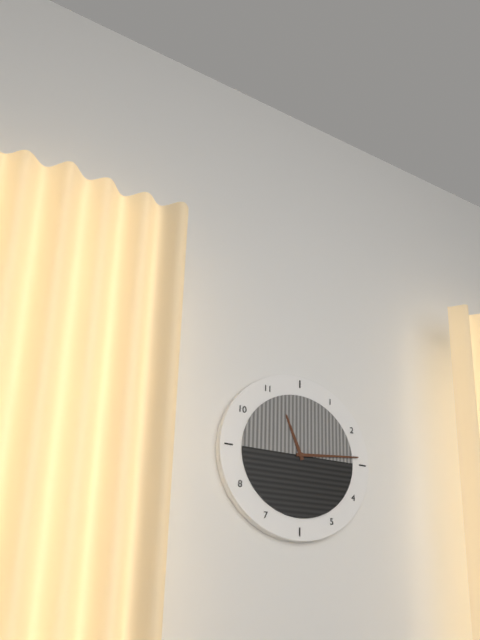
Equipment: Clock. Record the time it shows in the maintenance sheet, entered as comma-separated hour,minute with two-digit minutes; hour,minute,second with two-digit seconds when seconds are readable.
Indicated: 11,14
